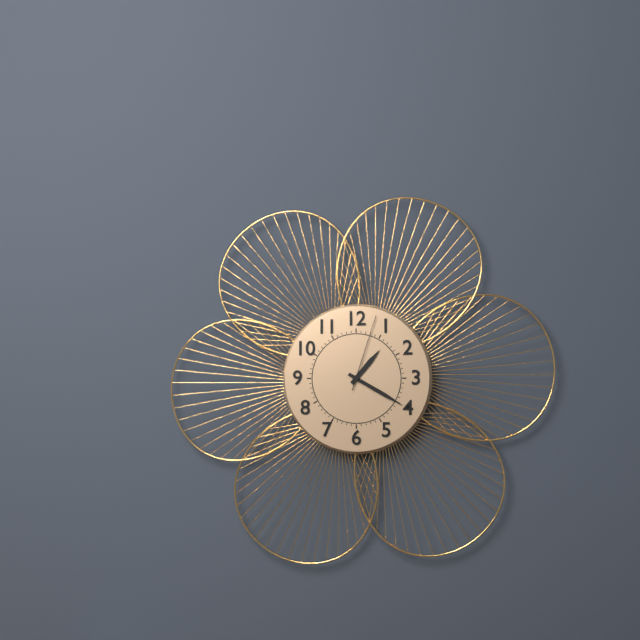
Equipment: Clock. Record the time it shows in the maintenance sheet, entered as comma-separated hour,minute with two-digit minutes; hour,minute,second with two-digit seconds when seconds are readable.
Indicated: 1,20,03
